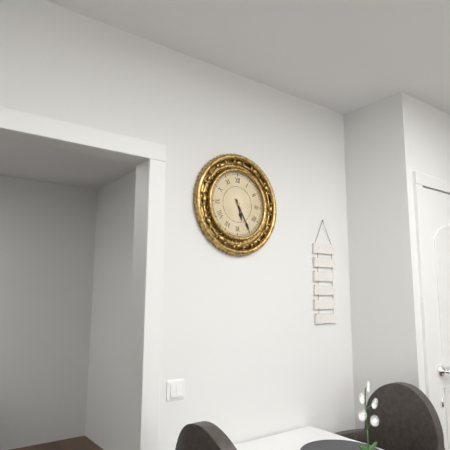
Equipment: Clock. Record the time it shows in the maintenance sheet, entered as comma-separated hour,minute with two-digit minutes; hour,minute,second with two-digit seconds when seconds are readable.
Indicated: 5,25
